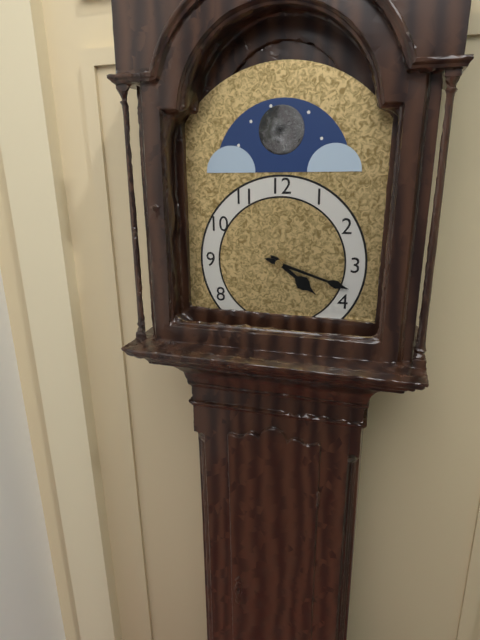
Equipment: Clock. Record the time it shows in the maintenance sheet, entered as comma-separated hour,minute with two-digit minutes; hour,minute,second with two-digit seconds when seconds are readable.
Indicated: 4,18
